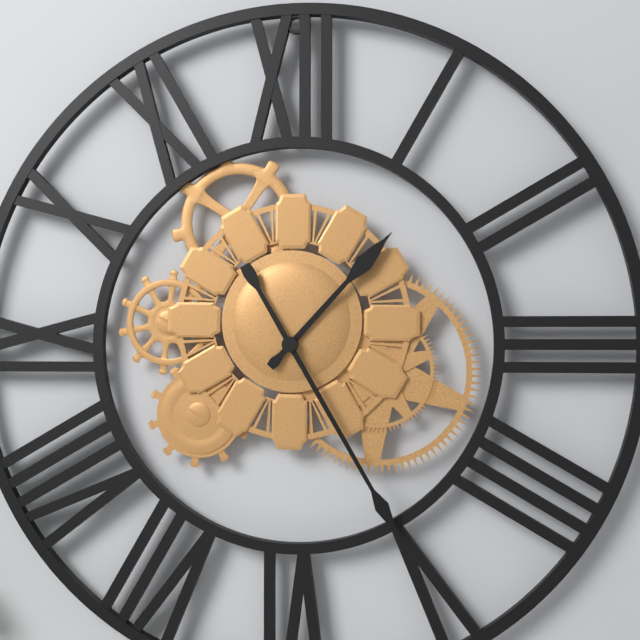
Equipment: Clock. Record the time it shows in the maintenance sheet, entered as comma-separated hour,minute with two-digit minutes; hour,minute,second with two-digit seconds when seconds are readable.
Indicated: 1,25
